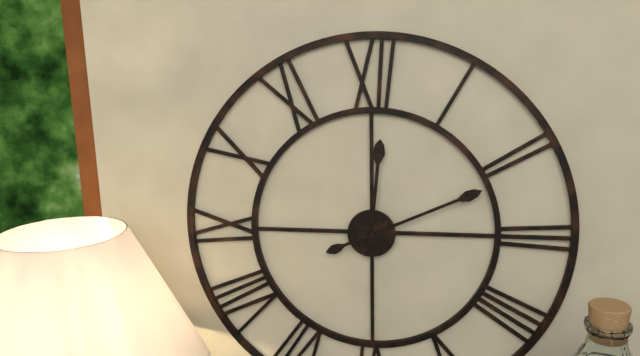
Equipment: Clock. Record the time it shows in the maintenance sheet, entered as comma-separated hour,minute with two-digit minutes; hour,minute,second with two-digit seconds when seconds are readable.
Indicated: 12,11
